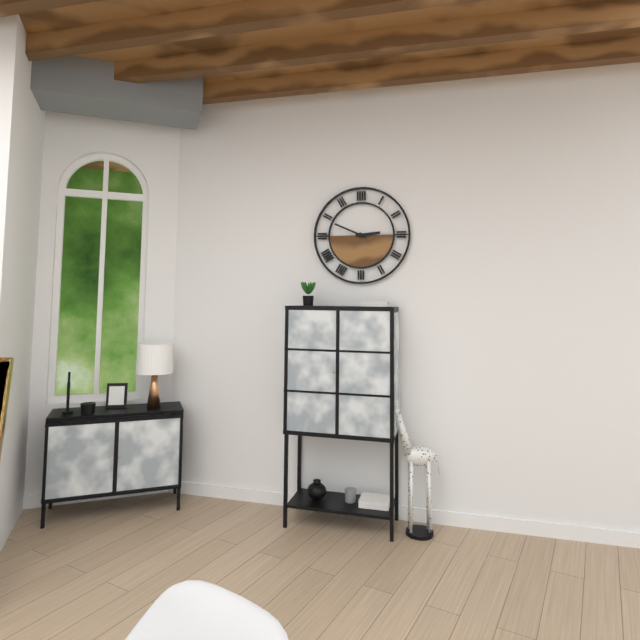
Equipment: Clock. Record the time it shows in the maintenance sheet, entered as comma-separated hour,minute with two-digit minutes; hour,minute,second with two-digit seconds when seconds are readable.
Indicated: 2,49
